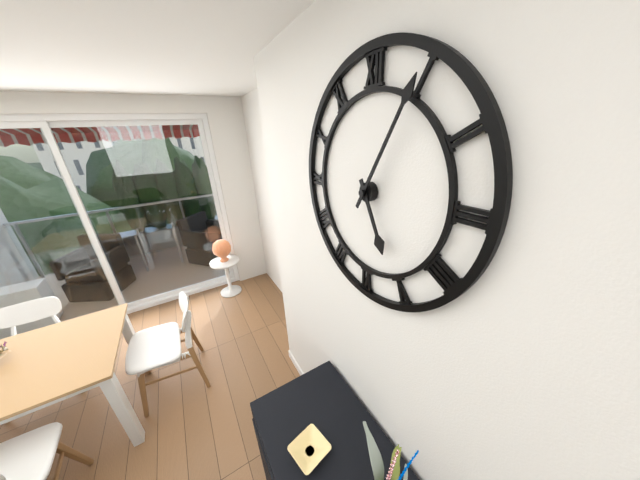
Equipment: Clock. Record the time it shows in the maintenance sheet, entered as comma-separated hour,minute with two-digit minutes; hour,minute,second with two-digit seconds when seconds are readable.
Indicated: 5,05
